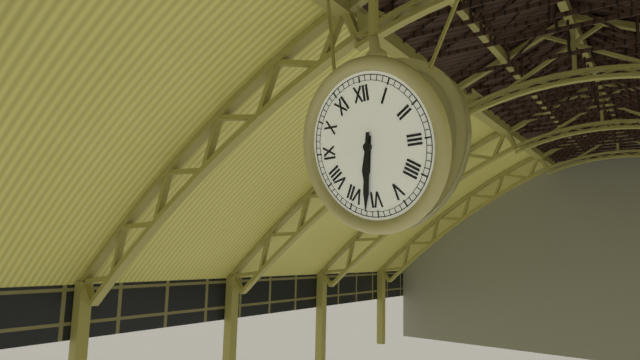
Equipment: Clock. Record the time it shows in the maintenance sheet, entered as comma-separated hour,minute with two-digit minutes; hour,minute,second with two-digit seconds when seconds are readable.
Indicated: 6,32
